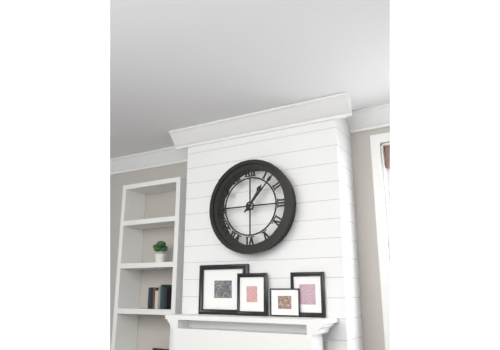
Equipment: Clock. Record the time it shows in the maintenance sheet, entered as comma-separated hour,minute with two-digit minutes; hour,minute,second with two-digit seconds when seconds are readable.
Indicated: 1,07
